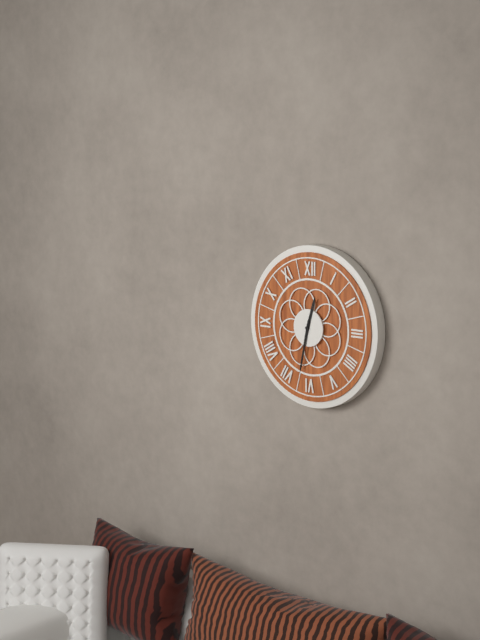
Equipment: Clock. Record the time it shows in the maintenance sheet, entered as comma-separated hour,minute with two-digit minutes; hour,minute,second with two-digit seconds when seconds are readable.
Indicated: 12,32
